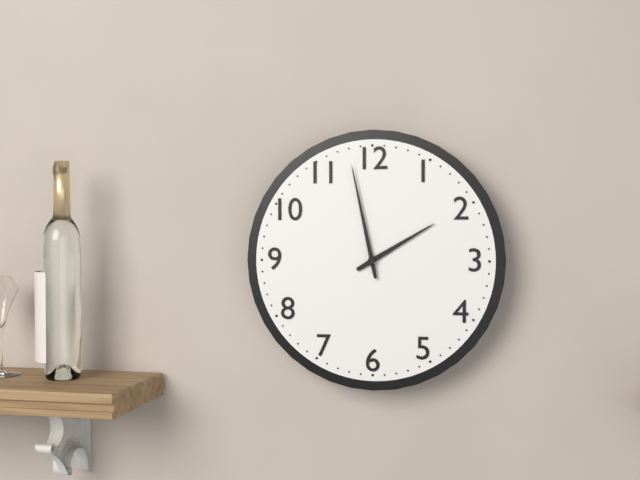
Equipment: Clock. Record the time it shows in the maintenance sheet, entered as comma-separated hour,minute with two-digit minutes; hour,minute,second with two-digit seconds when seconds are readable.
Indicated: 1,58
